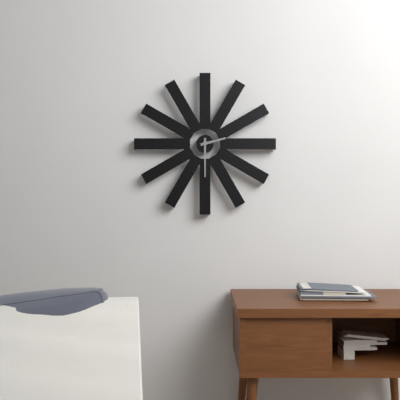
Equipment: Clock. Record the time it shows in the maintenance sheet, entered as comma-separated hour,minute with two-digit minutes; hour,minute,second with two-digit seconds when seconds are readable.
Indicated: 2,30
